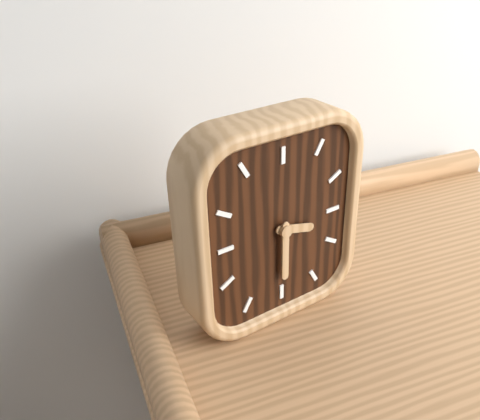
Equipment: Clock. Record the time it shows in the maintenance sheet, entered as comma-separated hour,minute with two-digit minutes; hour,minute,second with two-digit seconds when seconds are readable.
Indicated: 3,30
